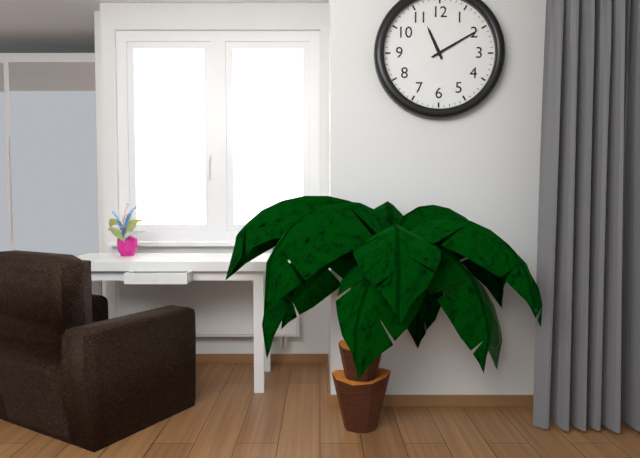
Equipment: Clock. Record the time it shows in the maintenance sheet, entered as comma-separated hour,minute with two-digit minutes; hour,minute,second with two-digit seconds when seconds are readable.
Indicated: 11,10
